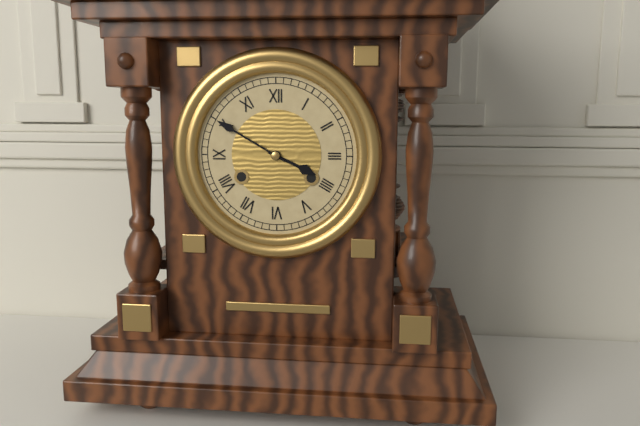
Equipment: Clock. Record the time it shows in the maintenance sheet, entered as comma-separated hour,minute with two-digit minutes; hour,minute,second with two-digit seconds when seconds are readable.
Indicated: 3,50
